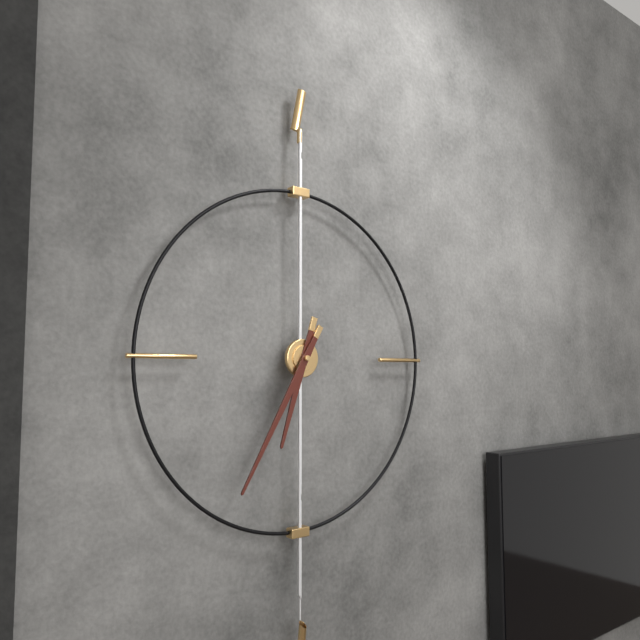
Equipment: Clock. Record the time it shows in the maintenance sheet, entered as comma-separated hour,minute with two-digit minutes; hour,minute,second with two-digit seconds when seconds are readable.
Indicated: 6,35
